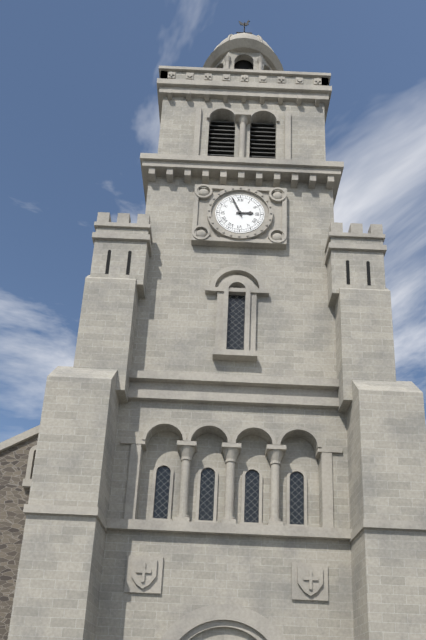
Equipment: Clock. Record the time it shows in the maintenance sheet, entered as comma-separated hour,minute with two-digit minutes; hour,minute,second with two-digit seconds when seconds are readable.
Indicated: 2,56
